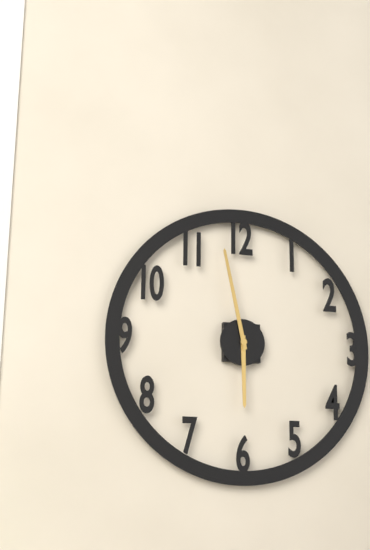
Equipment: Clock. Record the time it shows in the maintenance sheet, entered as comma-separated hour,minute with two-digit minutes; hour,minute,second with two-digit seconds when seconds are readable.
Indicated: 5,58
